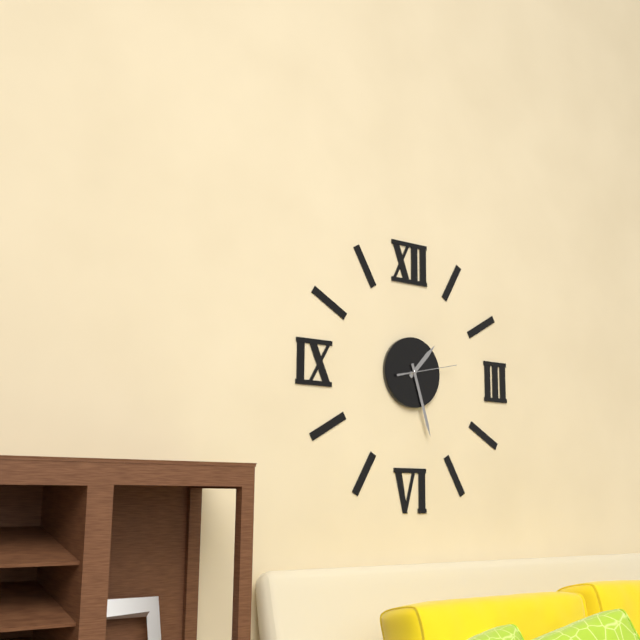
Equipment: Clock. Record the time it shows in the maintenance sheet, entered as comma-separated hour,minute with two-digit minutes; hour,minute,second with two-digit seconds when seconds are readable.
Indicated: 1,27,13
